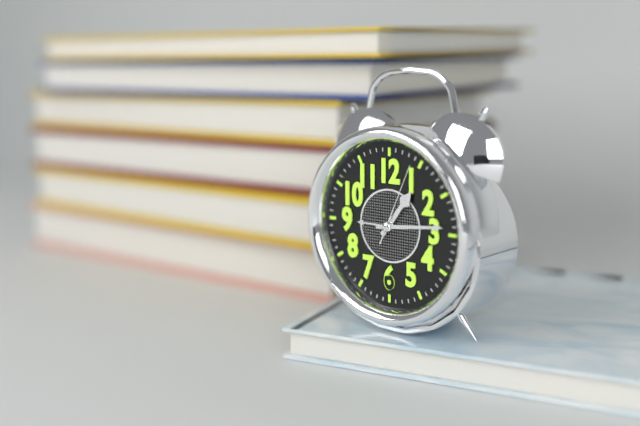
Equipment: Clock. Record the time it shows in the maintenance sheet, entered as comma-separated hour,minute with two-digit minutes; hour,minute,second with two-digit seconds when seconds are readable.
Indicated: 1,14,04
